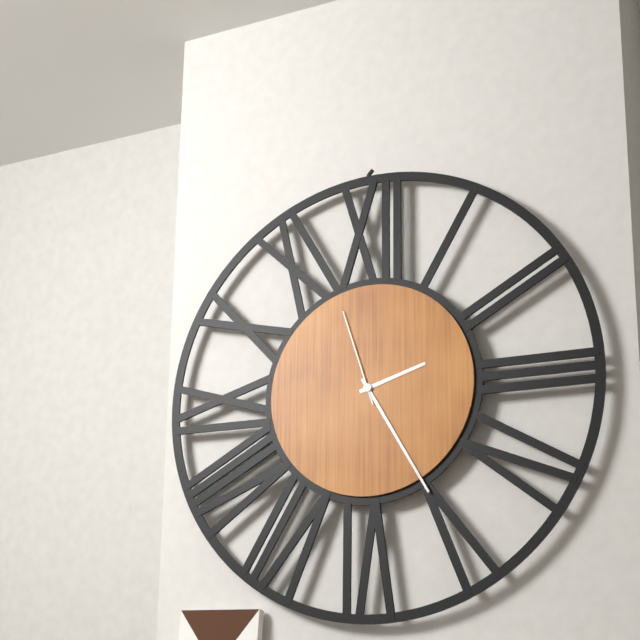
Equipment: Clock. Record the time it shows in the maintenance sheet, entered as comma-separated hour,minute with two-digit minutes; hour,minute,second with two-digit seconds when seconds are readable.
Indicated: 2,25,57
